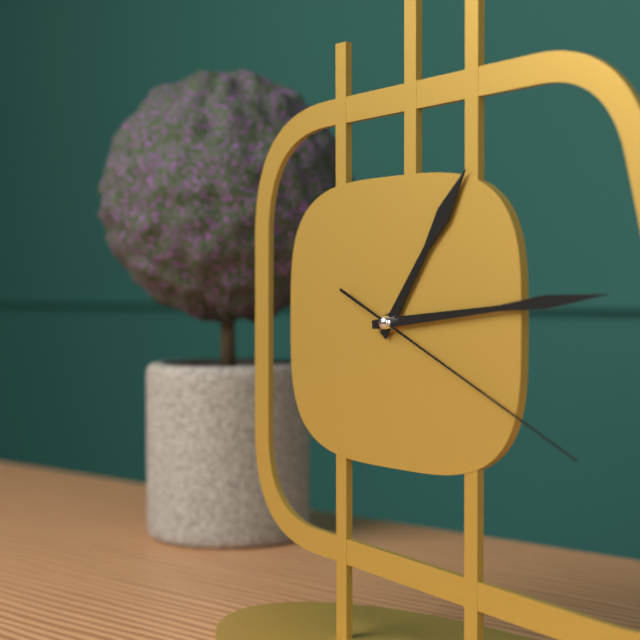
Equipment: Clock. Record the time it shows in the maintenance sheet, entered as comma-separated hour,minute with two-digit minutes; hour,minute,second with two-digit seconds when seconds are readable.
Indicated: 1,14,19
